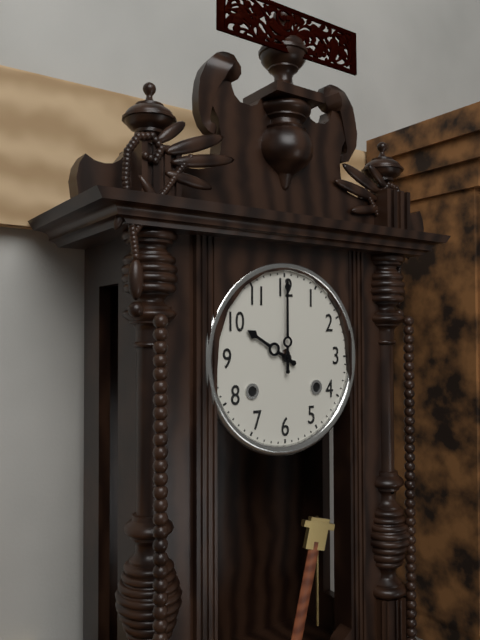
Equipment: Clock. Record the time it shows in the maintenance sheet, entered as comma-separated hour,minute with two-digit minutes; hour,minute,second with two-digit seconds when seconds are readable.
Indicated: 10,00
